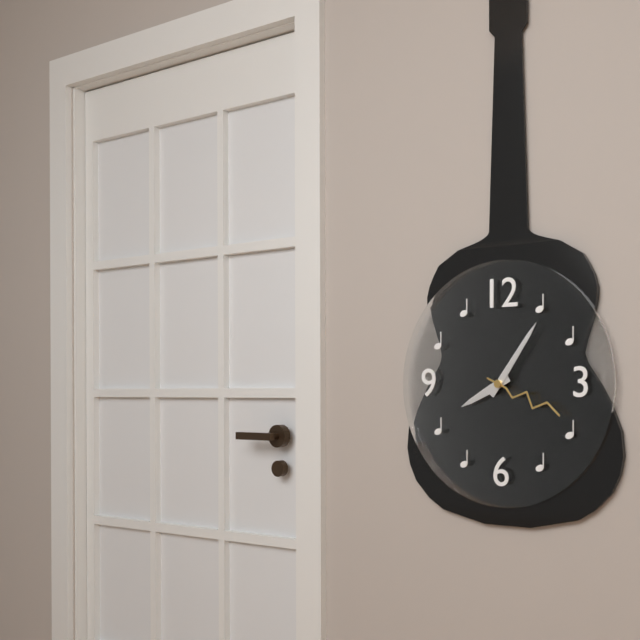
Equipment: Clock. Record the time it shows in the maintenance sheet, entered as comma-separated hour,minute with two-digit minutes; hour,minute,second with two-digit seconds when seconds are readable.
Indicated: 8,06,19
